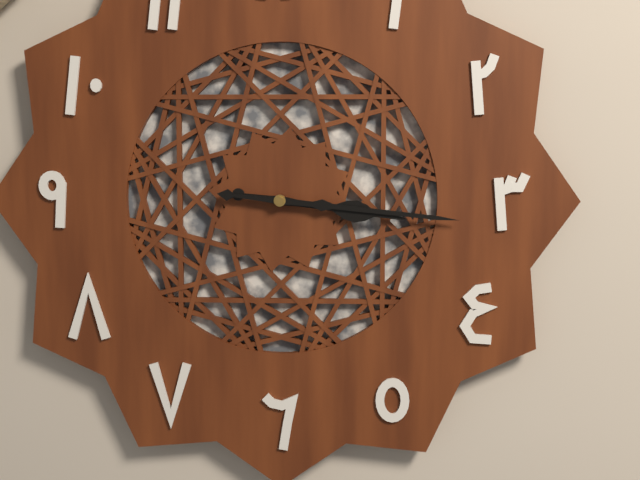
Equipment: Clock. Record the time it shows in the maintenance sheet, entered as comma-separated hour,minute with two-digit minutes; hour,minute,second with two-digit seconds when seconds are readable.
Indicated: 3,16
